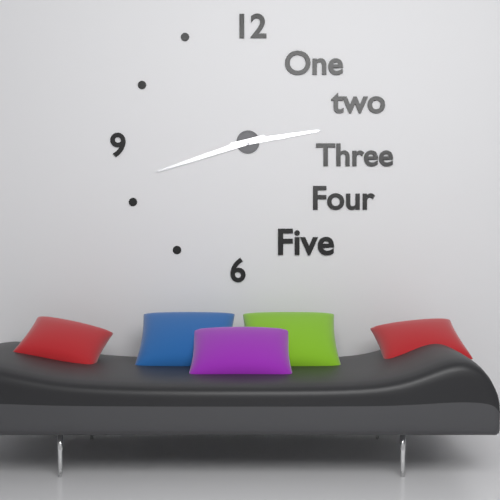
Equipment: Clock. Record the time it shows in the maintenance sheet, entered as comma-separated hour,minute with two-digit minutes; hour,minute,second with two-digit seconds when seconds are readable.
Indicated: 2,42
